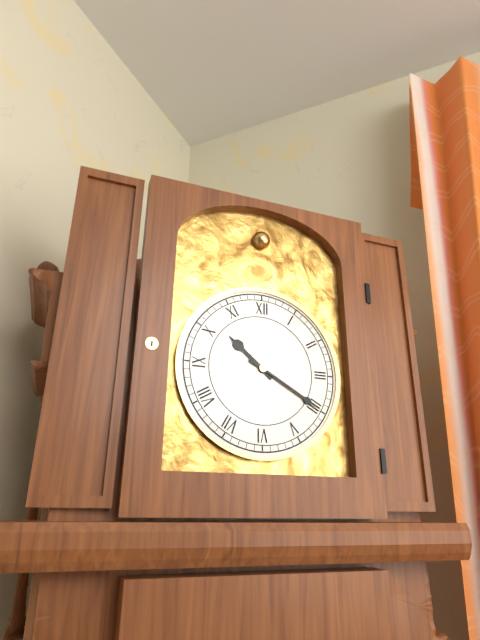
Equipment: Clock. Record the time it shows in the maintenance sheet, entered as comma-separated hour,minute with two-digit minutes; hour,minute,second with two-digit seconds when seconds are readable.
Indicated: 10,20
